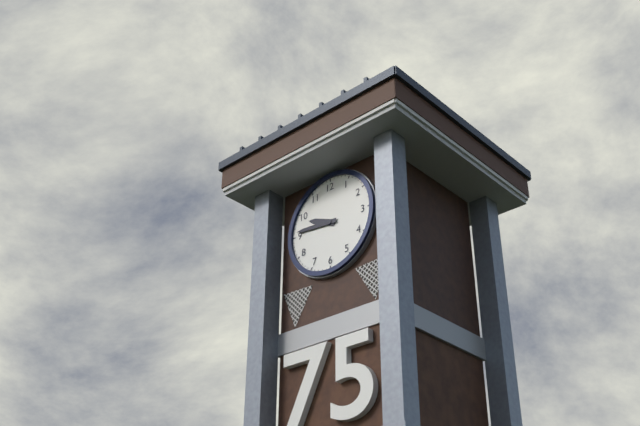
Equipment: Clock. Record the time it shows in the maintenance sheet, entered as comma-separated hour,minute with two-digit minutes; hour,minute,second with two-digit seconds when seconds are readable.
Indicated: 9,46
